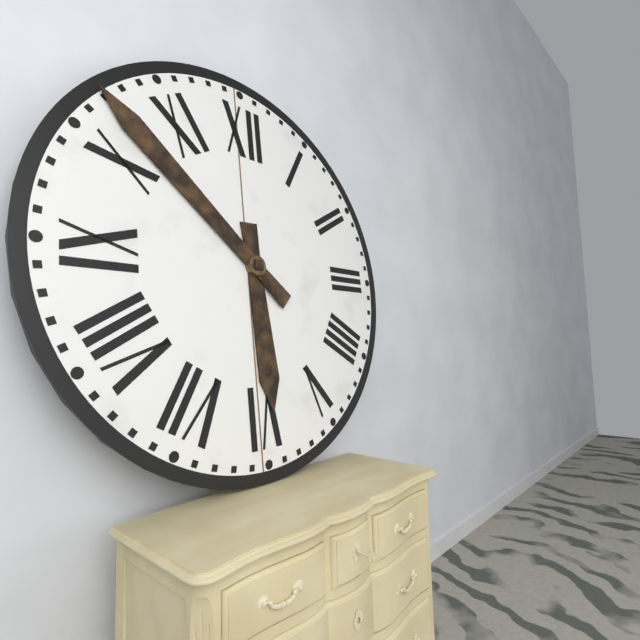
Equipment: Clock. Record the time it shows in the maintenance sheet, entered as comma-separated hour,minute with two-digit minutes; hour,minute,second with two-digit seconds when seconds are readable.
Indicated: 5,52
